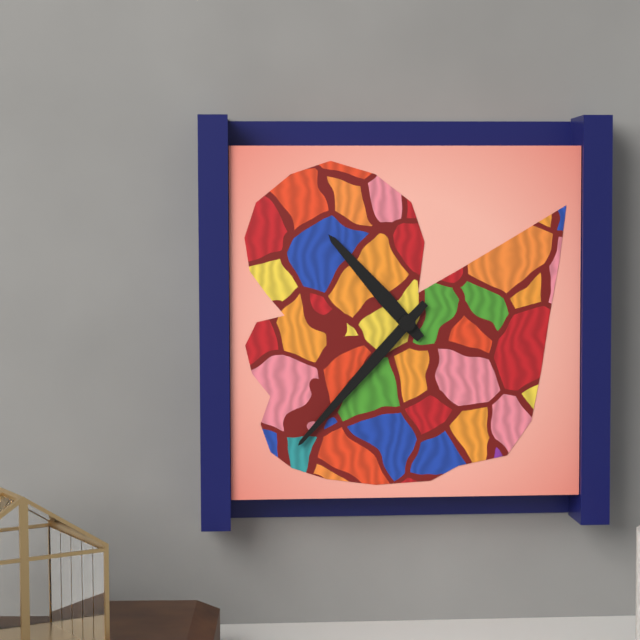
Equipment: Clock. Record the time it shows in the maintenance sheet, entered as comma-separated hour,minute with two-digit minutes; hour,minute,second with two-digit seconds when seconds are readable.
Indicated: 10,37
